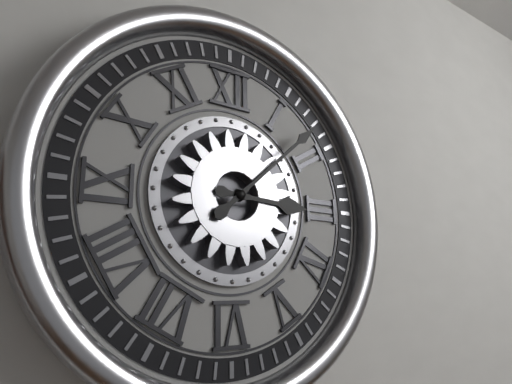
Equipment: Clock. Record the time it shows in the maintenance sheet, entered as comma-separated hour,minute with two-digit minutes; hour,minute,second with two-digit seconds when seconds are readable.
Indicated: 3,08
